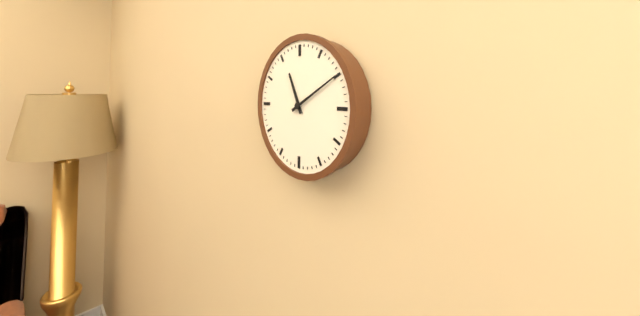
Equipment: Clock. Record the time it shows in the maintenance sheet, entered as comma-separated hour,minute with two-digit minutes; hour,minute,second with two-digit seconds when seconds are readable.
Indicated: 11,10
